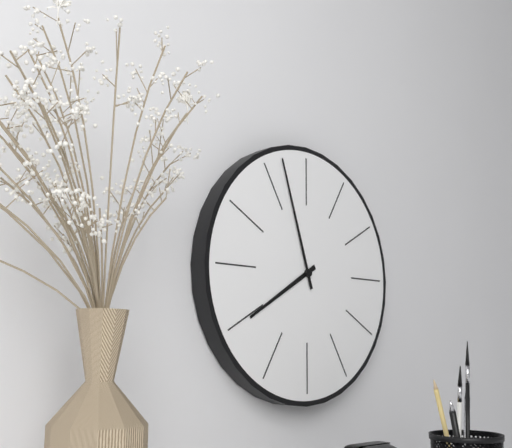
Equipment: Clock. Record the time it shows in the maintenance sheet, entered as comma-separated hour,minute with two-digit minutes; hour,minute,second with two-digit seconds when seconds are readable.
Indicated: 7,57
